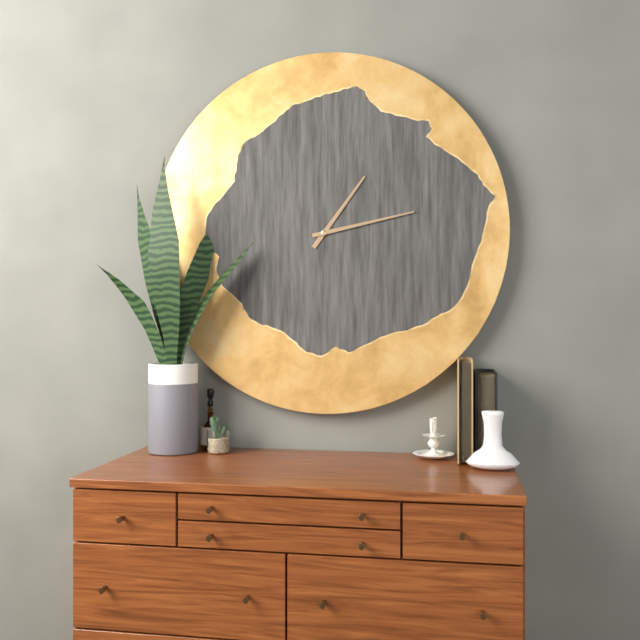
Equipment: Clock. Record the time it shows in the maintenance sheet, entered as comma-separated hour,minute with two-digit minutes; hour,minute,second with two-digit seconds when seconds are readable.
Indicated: 1,13
